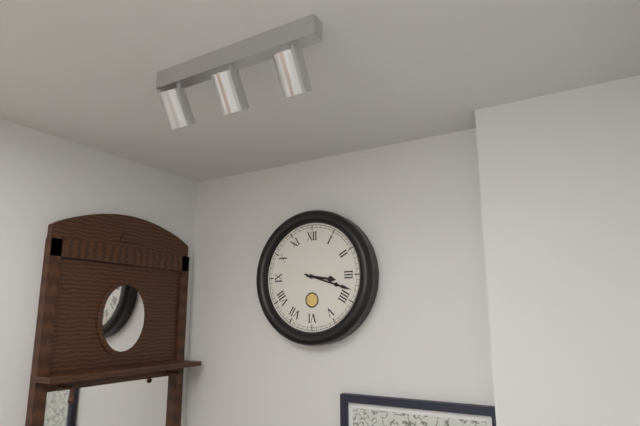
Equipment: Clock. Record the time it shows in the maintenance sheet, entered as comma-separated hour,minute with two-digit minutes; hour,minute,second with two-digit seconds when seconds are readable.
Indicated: 3,18
